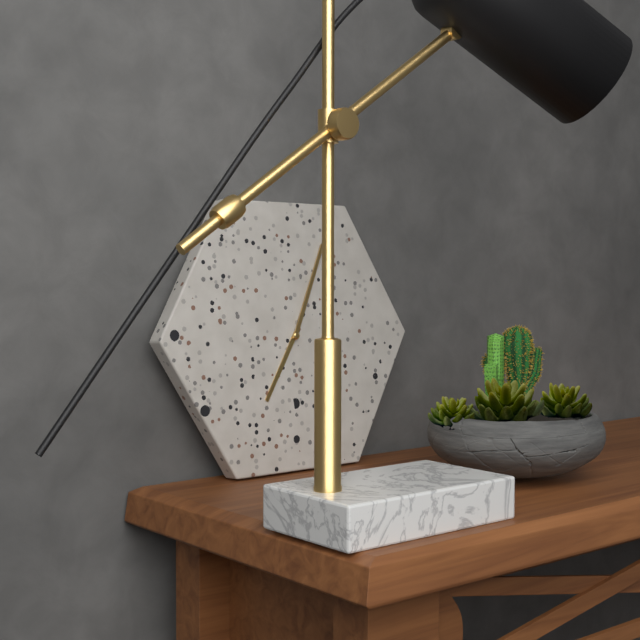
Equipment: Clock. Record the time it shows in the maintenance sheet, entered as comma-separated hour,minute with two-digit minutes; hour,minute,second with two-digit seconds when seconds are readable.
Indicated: 7,04
